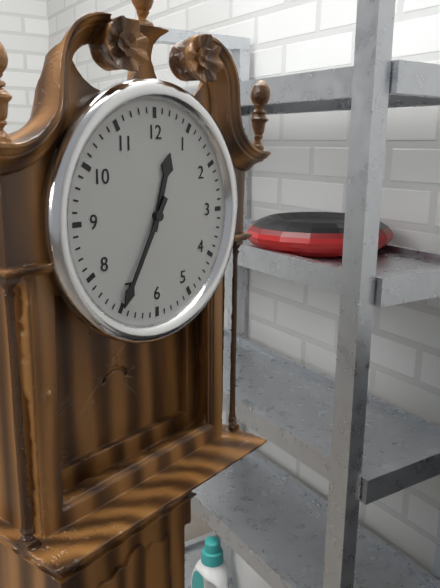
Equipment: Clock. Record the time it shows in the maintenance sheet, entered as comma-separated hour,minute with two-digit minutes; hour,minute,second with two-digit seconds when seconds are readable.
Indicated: 12,35
